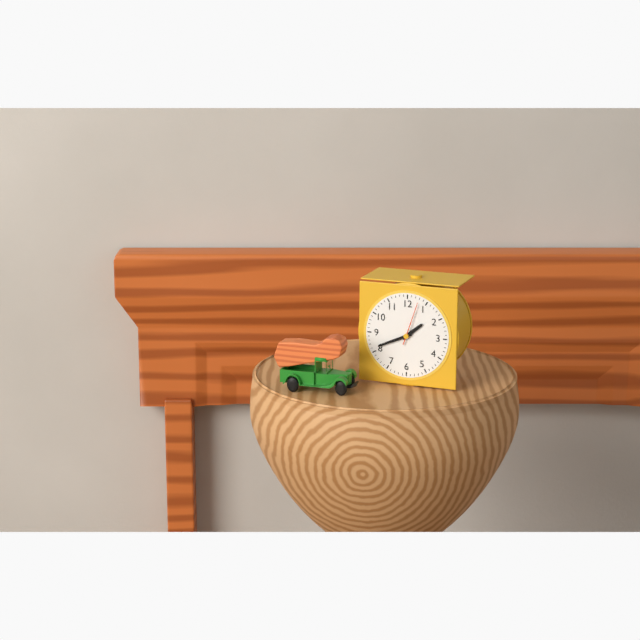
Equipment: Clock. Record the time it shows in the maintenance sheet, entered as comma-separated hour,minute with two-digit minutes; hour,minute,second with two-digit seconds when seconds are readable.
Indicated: 1,41
